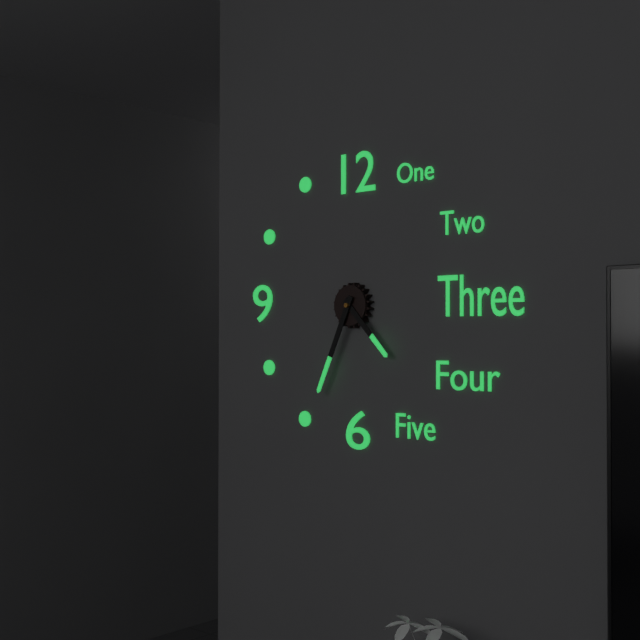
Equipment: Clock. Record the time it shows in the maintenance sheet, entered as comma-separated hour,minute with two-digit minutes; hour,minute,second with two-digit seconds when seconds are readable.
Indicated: 4,34
